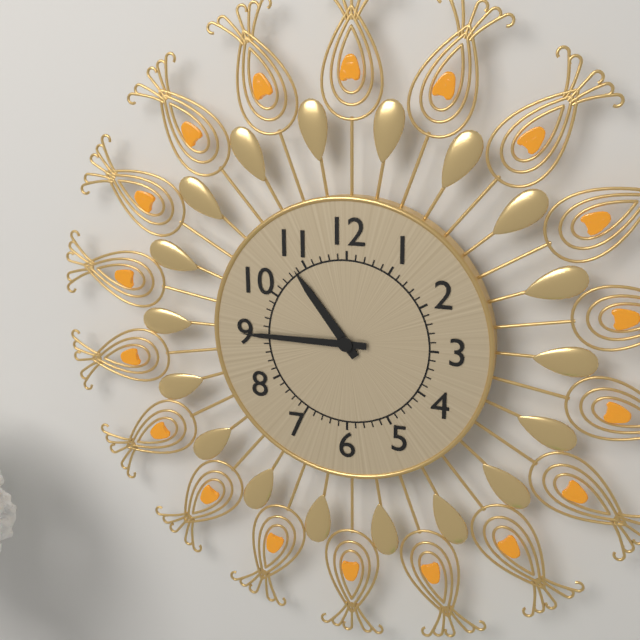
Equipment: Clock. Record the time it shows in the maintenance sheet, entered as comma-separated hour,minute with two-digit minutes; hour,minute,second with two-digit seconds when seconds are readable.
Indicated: 10,45
